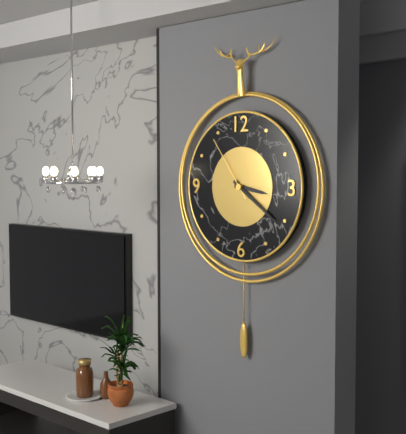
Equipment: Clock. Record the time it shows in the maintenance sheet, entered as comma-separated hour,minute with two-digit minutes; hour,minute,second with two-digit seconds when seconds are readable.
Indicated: 3,21,54
